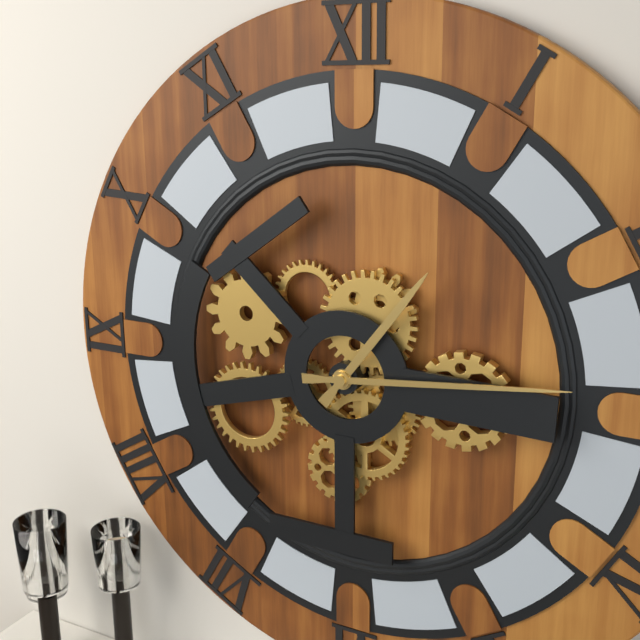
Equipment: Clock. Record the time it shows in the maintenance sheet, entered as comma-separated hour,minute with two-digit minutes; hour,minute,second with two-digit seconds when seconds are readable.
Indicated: 1,14
